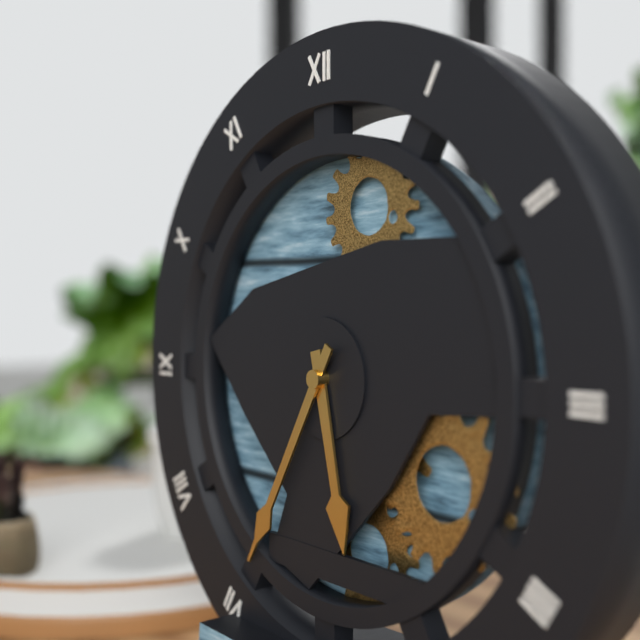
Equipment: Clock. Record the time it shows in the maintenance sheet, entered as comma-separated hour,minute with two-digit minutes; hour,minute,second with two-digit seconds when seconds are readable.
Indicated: 5,35
